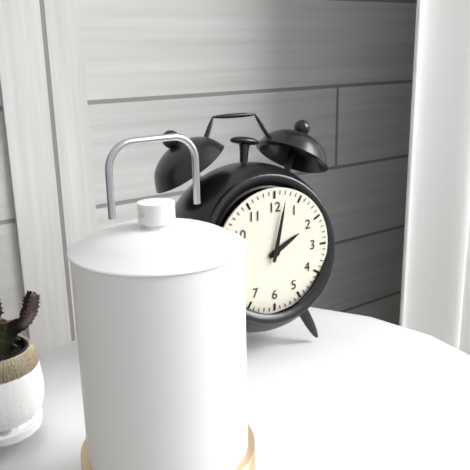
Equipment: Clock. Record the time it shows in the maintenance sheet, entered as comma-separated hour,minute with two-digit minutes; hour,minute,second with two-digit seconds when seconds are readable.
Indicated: 2,02
